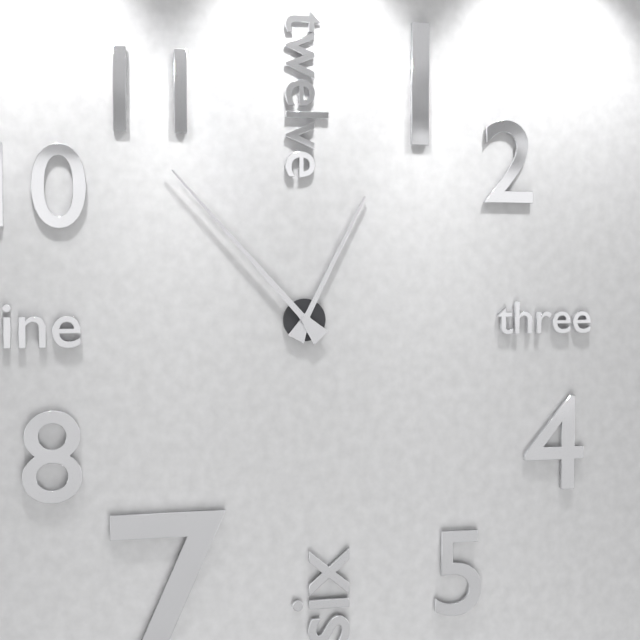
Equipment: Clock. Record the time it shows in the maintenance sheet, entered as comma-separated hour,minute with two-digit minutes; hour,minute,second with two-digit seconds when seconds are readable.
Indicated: 12,53
